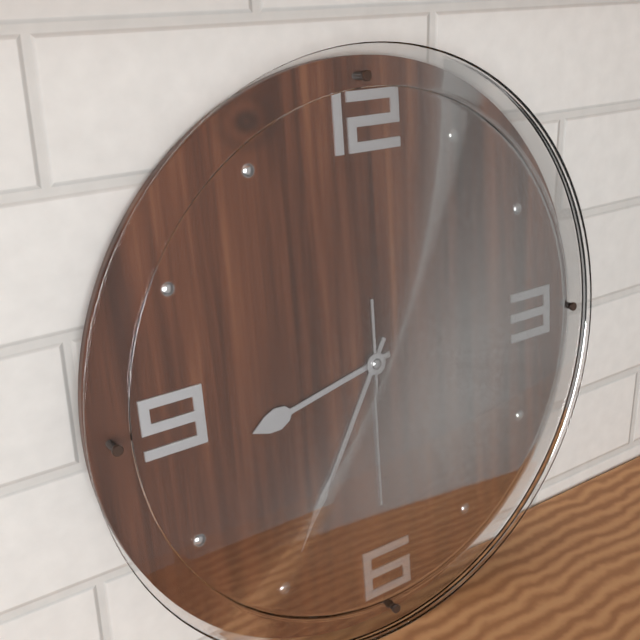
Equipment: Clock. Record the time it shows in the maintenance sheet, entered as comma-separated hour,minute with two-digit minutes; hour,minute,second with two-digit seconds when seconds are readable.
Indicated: 8,35,30
